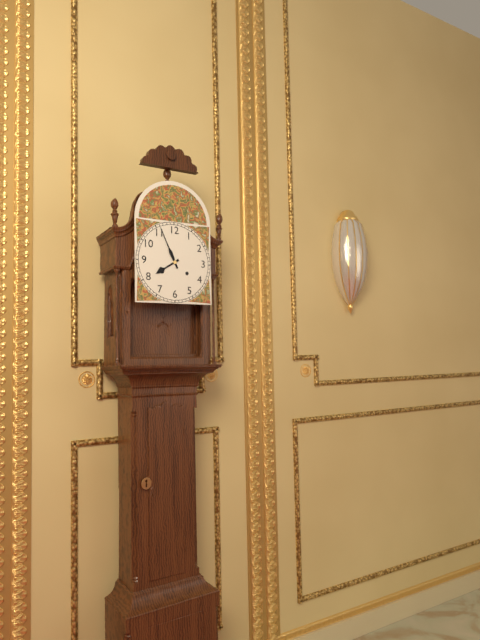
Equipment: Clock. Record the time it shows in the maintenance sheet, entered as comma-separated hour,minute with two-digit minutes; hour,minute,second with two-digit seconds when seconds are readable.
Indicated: 7,56
